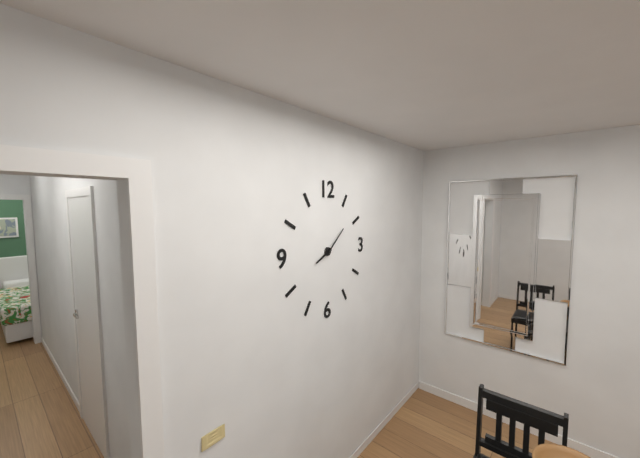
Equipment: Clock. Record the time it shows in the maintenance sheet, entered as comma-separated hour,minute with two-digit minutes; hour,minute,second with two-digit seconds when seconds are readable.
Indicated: 8,08
